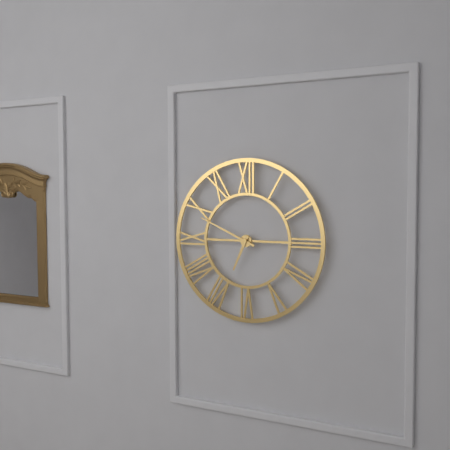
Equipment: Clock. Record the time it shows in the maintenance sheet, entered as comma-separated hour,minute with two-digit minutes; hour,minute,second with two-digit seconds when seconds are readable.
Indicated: 6,49
